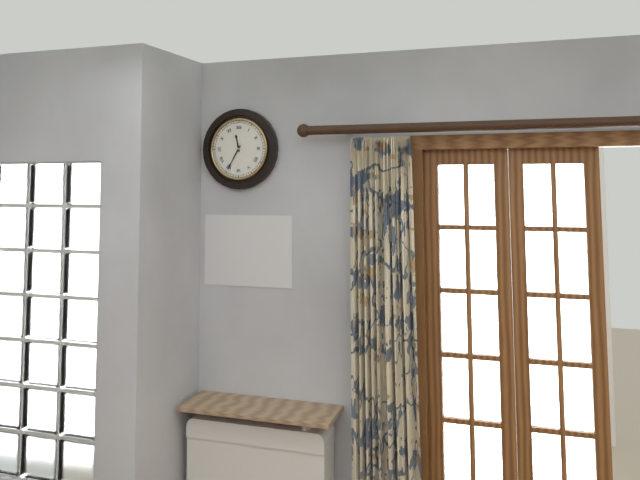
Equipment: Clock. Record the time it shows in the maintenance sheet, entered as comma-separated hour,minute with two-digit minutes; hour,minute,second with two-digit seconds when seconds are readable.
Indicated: 11,35
